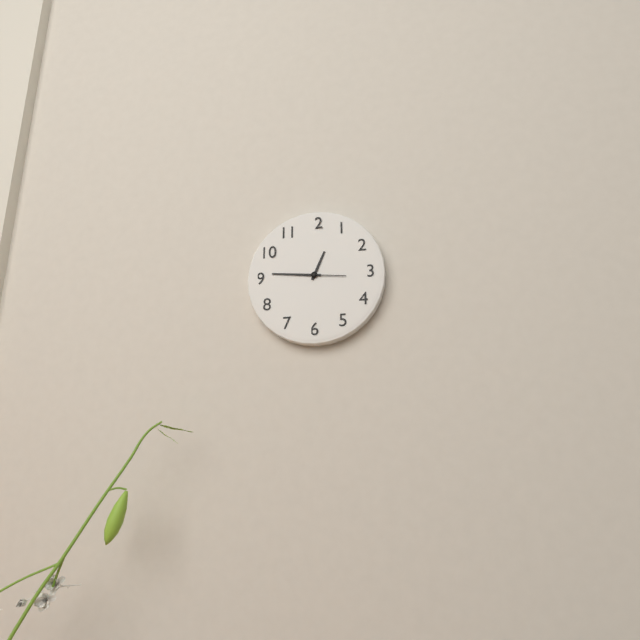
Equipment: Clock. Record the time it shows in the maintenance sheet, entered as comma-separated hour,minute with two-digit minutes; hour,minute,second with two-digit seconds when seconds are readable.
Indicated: 12,46
